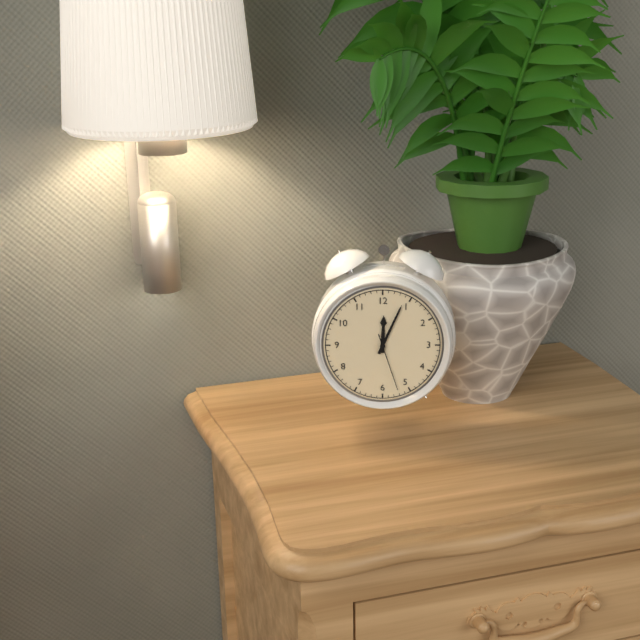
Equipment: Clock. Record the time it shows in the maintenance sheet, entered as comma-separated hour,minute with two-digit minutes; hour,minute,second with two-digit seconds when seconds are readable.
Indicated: 12,04,27
